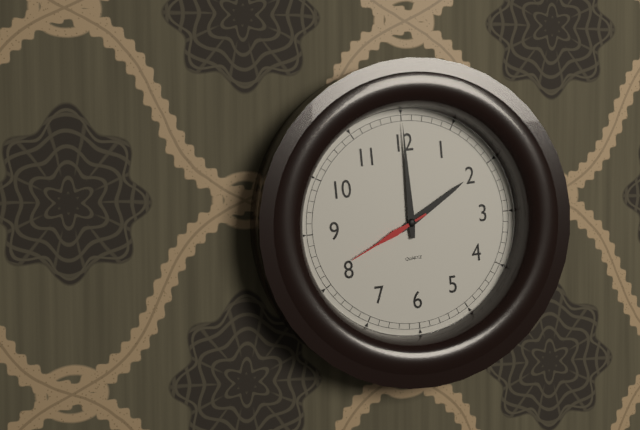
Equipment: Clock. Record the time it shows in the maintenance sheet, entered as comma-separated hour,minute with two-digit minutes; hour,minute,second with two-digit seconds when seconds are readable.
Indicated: 2,00,41
